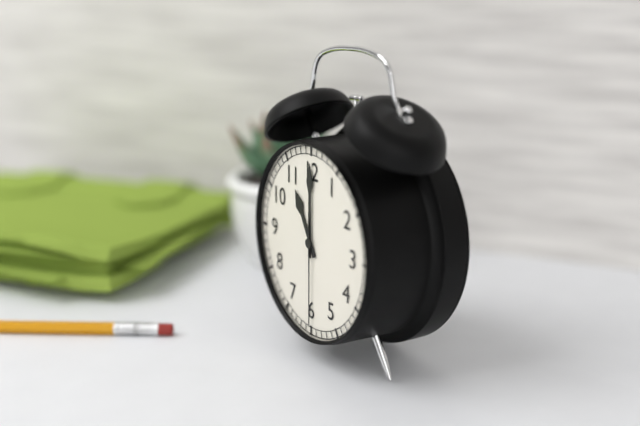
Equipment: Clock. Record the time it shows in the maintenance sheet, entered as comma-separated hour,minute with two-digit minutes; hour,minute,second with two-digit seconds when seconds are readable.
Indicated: 11,00,30
